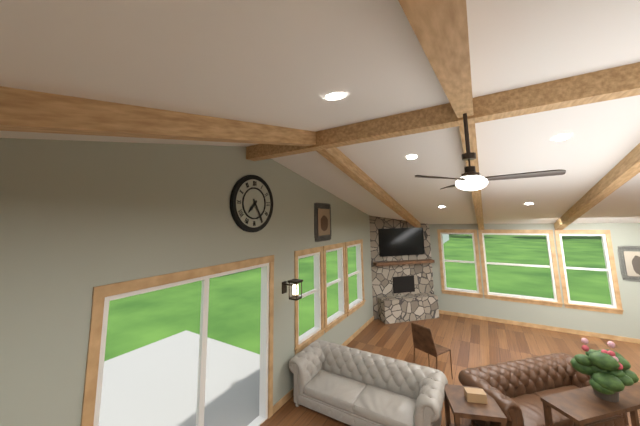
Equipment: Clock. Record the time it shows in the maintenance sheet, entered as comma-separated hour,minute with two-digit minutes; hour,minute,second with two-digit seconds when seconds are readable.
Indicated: 7,25
